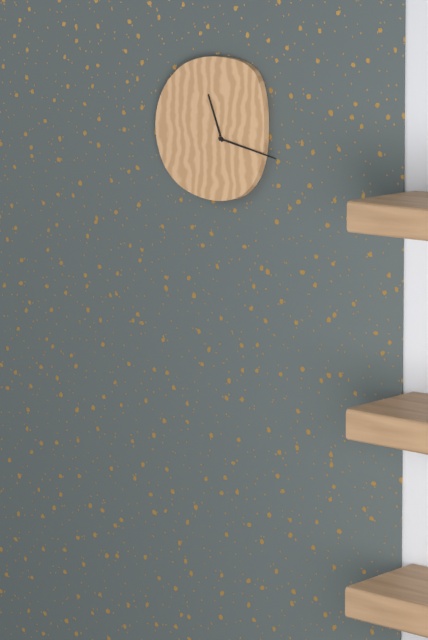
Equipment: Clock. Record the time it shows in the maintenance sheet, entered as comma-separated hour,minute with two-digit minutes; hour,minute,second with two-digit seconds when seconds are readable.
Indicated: 11,17
